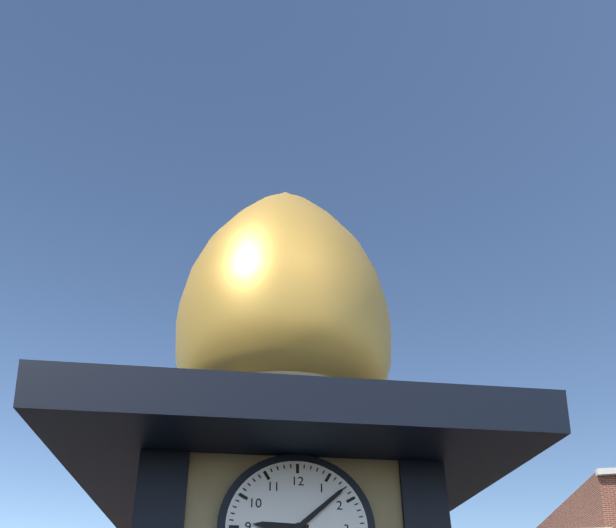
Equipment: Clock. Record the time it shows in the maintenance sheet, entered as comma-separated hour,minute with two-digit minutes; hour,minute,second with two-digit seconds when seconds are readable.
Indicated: 9,08
